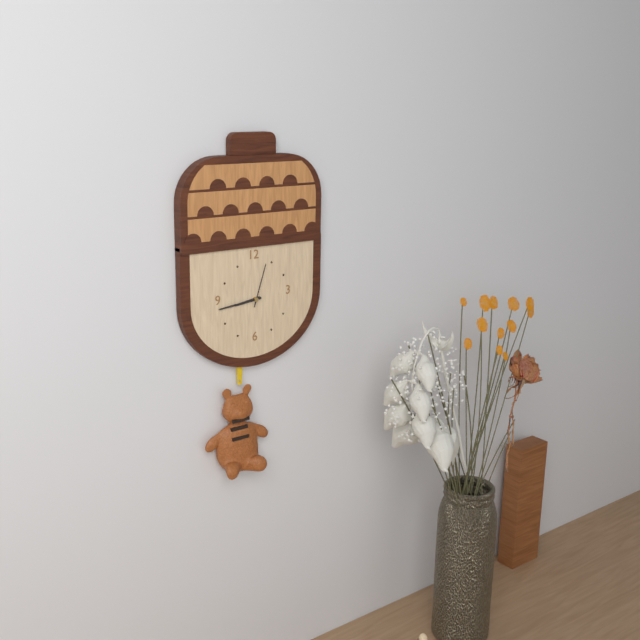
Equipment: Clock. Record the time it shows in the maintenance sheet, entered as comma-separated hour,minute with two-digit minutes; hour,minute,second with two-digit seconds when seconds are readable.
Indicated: 8,44
